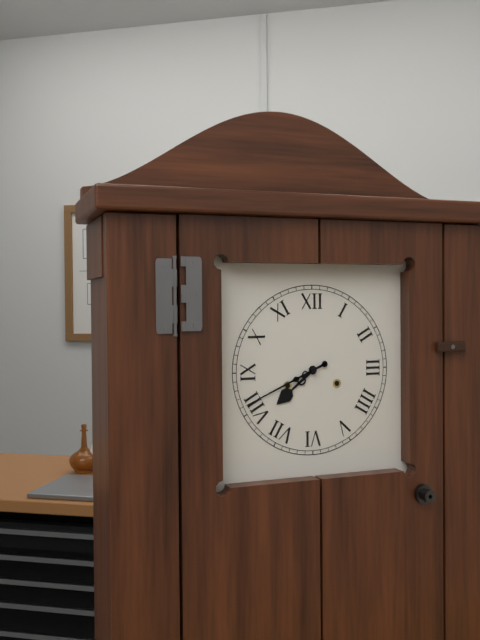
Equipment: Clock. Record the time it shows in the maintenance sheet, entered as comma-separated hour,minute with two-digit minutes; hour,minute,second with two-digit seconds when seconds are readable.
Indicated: 7,41
